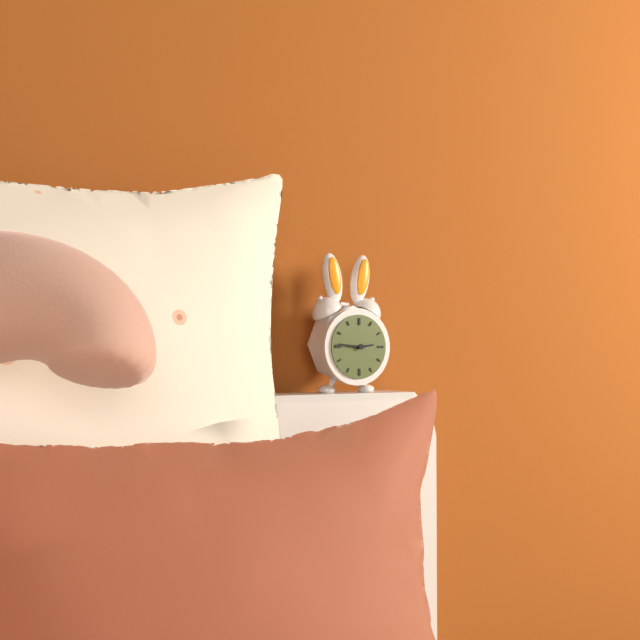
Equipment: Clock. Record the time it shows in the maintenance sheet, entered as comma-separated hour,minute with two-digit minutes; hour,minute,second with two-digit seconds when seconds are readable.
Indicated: 2,46
